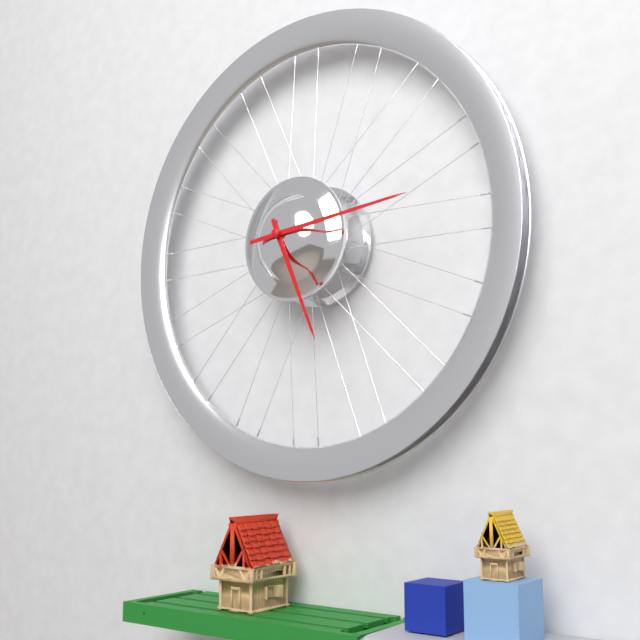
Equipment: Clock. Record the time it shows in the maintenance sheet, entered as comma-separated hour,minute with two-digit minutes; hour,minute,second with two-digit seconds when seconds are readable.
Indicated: 5,14
